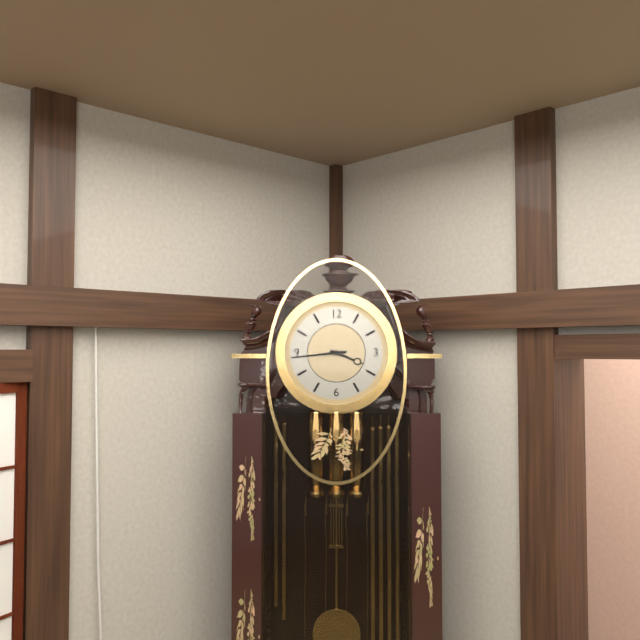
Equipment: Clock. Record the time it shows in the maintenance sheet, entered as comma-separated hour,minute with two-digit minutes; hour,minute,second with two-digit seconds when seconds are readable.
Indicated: 3,44
